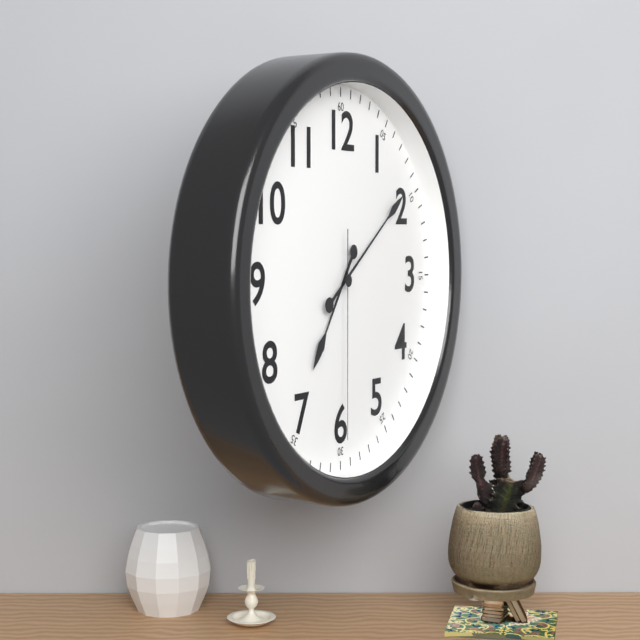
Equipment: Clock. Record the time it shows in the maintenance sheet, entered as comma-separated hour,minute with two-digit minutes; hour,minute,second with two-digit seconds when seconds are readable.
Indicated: 7,09,30
